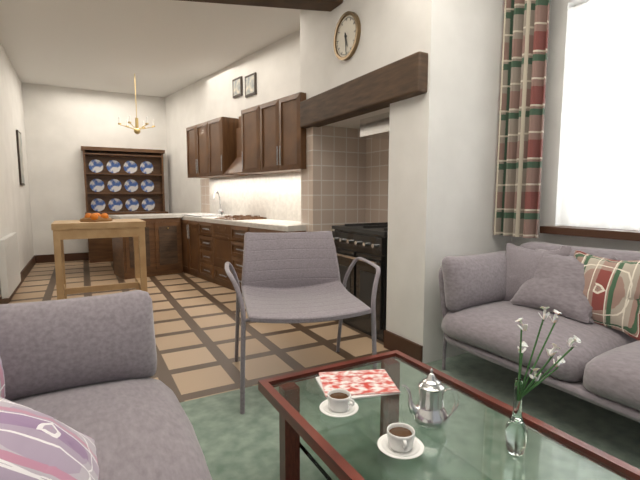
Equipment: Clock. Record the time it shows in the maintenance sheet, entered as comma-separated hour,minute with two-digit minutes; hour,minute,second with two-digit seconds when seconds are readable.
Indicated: 5,29
